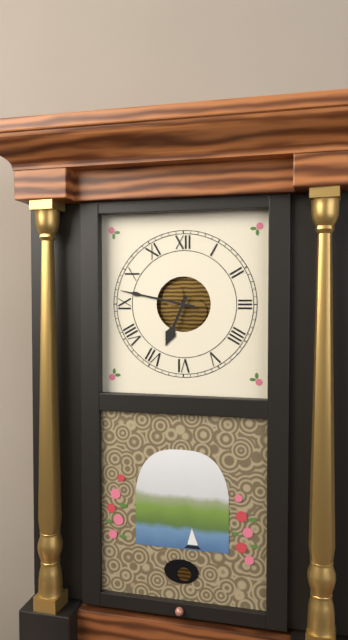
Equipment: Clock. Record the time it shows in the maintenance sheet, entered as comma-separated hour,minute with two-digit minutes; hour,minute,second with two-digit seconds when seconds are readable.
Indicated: 6,47
